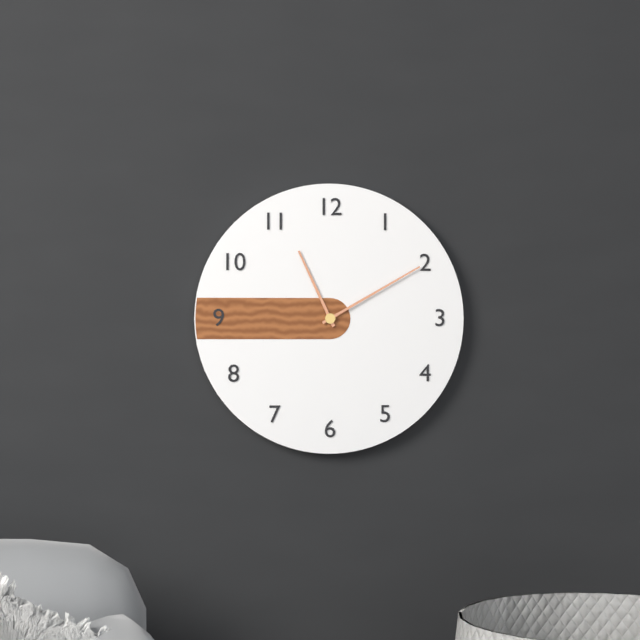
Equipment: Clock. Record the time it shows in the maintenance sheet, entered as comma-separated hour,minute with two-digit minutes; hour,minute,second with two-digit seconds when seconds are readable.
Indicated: 11,10
